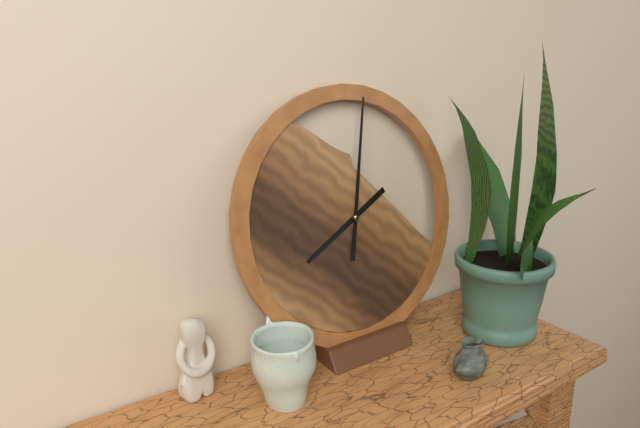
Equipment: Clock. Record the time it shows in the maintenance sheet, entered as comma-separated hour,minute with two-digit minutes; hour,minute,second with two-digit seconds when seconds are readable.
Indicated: 8,02
